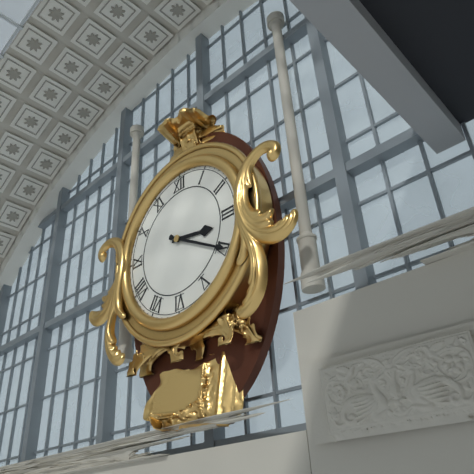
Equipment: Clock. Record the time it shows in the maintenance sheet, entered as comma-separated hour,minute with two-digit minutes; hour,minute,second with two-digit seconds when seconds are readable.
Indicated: 3,20
